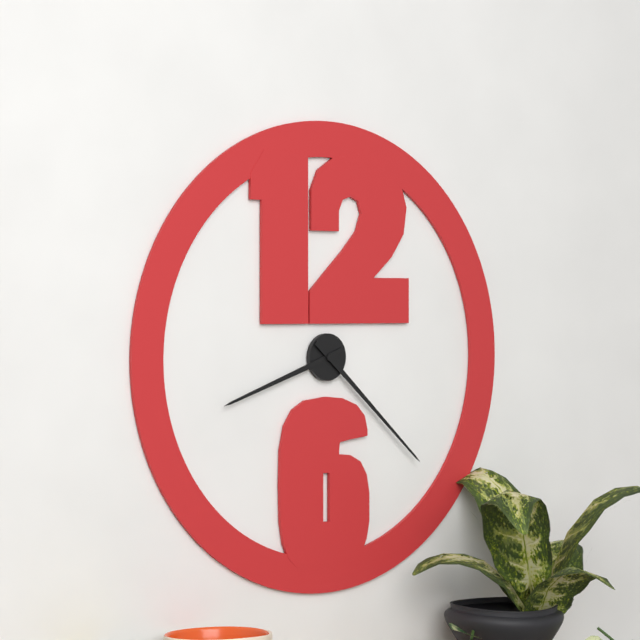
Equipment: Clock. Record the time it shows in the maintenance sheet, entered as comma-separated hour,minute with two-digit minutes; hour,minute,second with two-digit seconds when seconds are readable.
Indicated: 8,22
